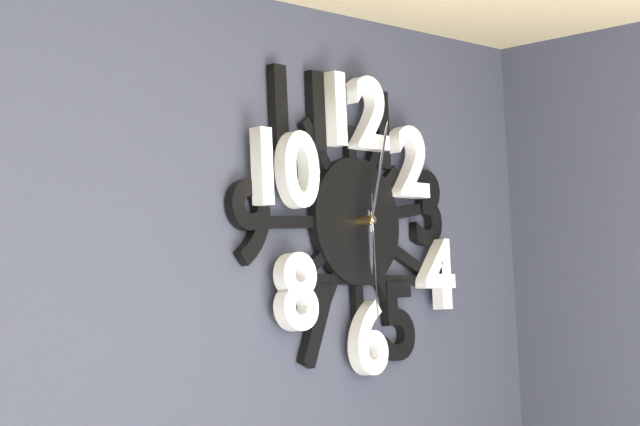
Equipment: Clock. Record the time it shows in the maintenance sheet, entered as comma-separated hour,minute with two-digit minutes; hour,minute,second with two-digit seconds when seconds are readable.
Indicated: 6,03,30
